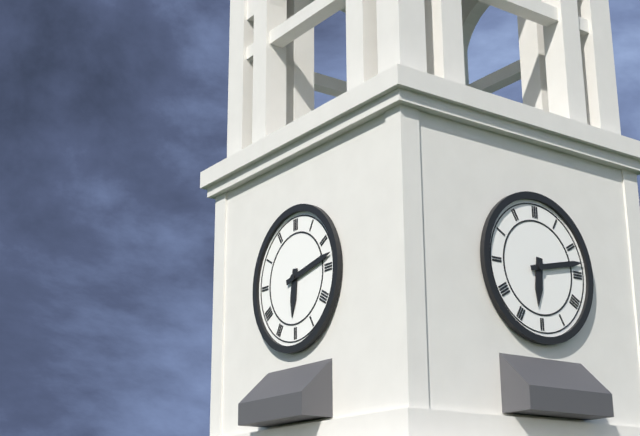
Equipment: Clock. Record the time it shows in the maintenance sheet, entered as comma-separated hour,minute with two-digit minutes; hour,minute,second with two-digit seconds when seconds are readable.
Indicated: 6,13
